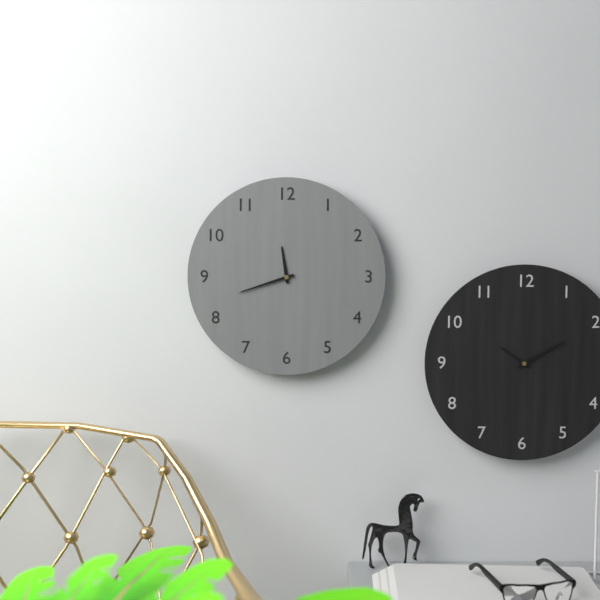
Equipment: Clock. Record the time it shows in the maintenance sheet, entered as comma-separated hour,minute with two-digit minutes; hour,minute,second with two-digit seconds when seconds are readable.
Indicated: 11,42
